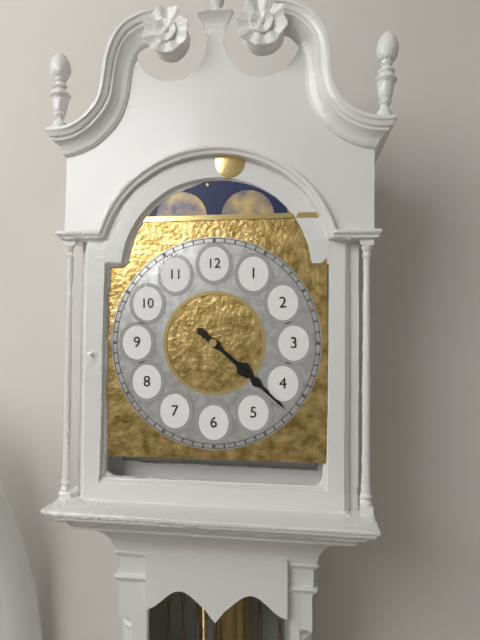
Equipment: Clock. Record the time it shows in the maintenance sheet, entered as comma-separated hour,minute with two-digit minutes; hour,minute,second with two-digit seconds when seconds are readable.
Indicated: 4,22
